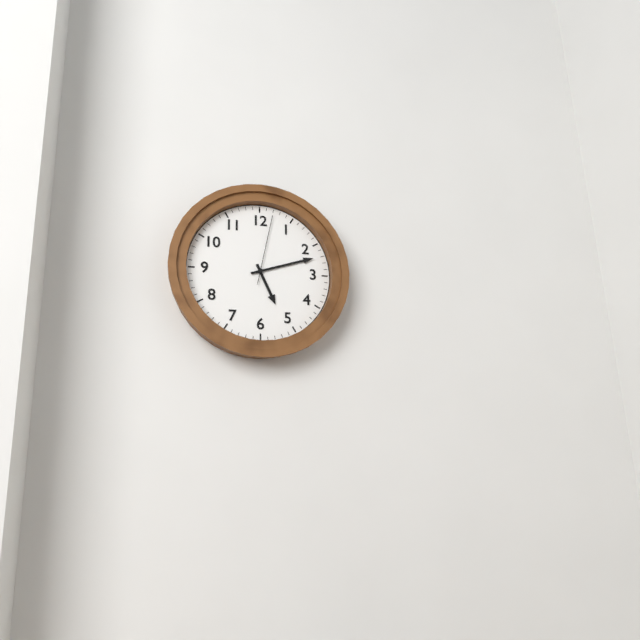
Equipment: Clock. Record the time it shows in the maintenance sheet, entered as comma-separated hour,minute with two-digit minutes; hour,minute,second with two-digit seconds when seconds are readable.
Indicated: 5,12,02
